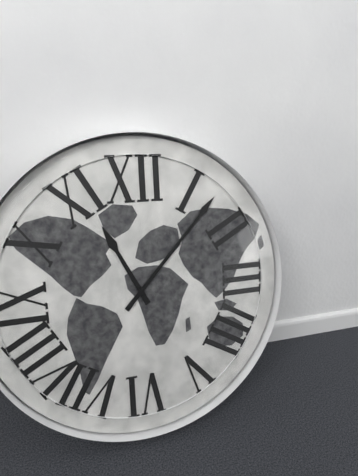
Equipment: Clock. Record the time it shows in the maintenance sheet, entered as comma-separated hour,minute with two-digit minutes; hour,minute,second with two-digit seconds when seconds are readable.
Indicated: 11,07
